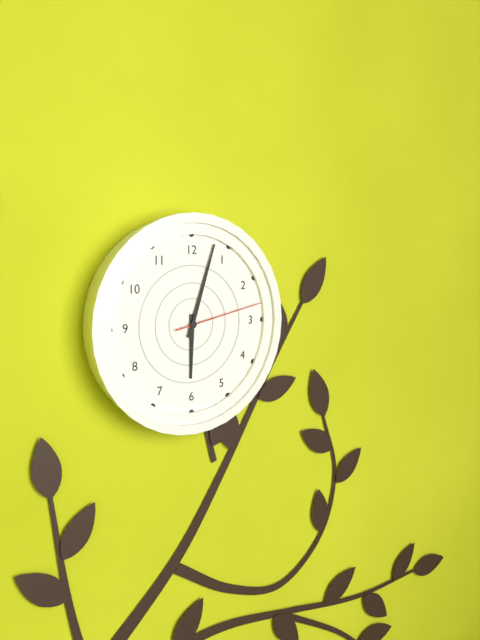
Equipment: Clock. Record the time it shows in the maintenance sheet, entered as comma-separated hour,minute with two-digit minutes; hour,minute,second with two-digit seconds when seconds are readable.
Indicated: 6,03,13
